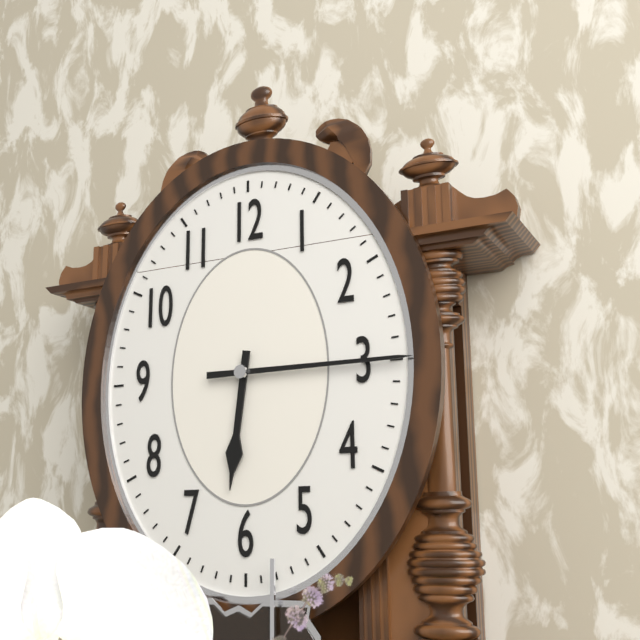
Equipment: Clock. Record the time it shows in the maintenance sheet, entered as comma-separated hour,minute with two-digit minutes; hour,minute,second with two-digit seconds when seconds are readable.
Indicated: 6,15
